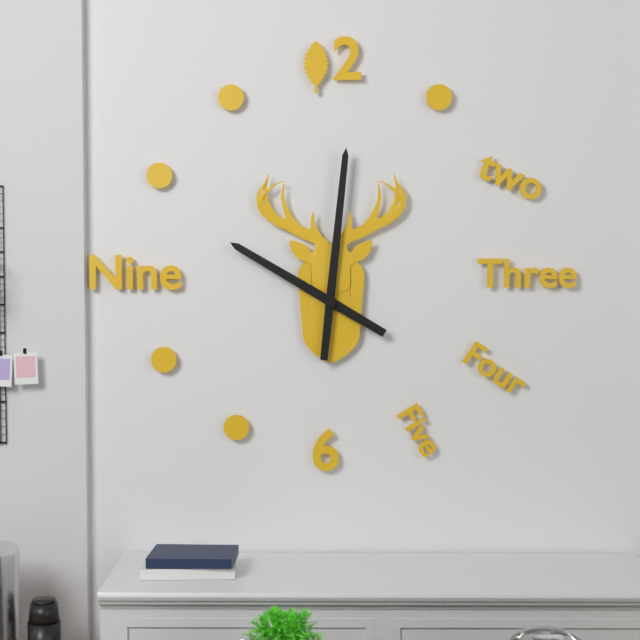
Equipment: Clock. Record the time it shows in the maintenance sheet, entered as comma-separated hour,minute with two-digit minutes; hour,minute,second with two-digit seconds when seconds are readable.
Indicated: 10,01
